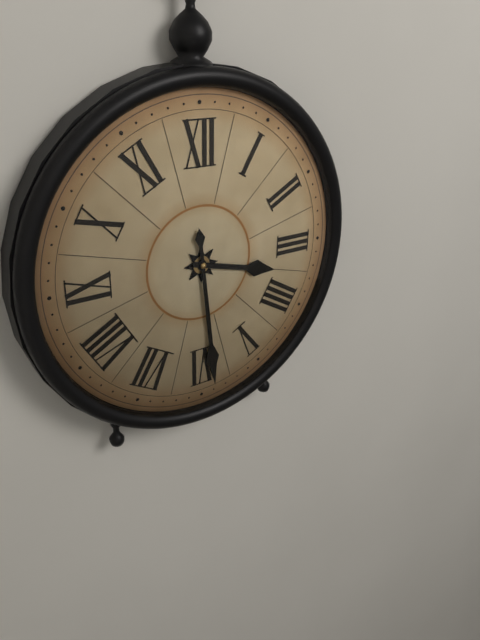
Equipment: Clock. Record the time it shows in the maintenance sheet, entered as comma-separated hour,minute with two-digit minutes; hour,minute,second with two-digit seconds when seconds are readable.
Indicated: 3,29
